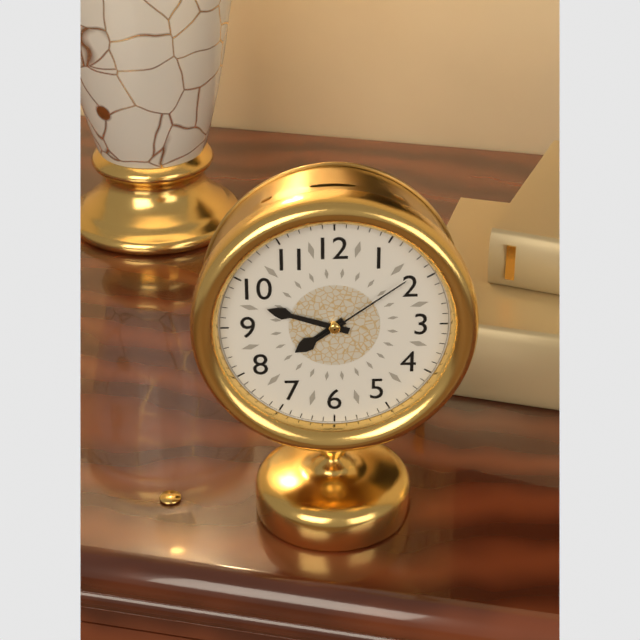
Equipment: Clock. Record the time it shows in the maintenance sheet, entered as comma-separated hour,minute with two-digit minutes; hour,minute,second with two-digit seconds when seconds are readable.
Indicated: 7,48,09
